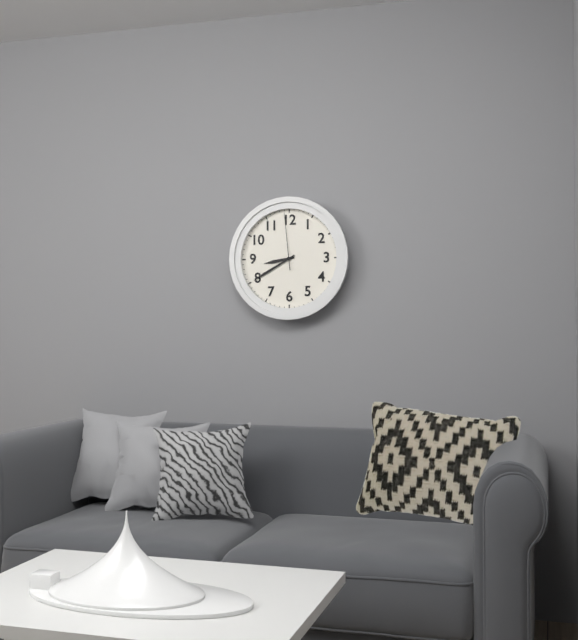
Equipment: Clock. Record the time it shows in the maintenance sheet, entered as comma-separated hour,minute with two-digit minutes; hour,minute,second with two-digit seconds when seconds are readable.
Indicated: 8,40,59
